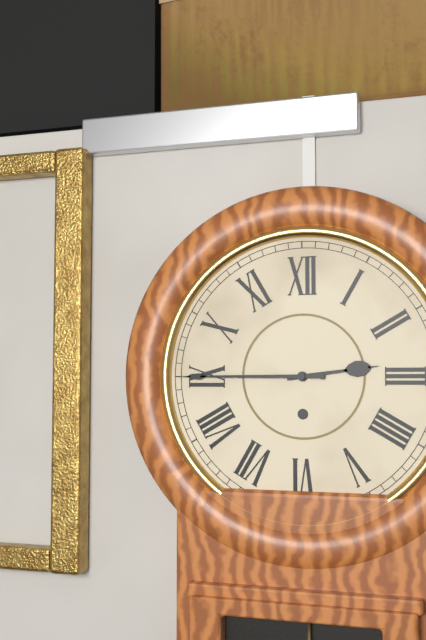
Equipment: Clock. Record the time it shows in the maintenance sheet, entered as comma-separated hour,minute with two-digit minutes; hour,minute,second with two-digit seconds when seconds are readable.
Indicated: 2,45
